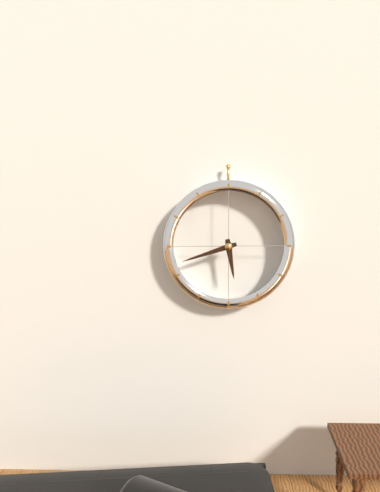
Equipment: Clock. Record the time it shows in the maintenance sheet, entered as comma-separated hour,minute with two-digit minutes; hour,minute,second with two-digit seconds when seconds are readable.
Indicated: 5,42
